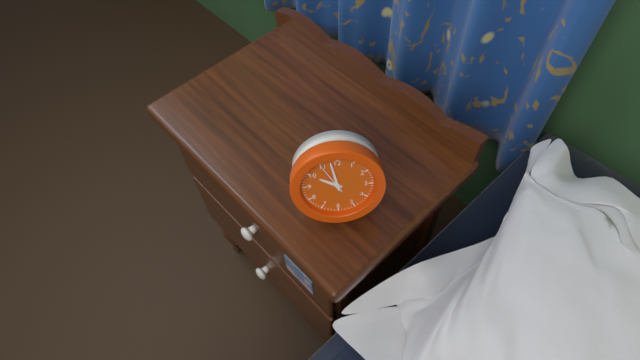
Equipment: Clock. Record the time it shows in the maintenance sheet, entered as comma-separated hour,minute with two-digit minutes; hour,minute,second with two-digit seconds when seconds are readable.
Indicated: 9,58
